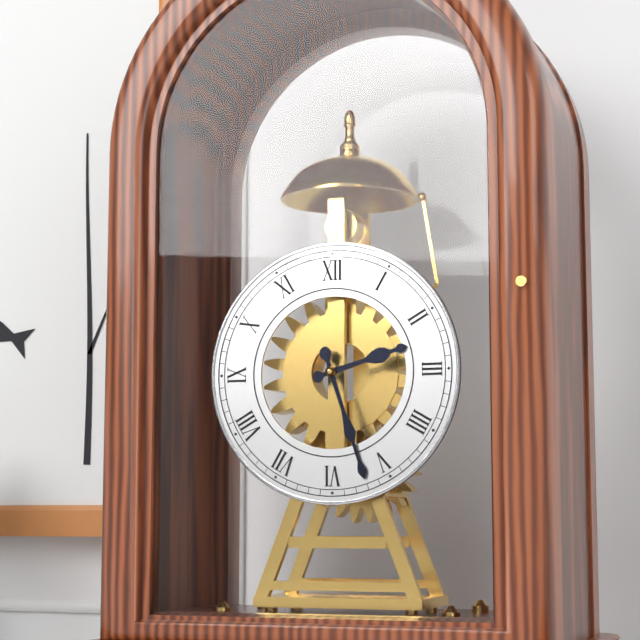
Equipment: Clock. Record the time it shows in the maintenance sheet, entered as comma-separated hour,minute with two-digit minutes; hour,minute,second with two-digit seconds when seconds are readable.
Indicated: 2,27
